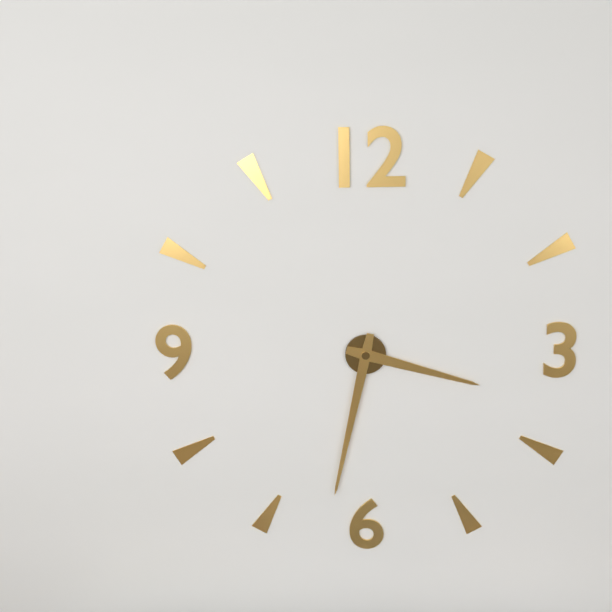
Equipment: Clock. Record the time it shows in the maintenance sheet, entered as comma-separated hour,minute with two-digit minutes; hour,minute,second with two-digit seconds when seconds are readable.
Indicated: 3,32
